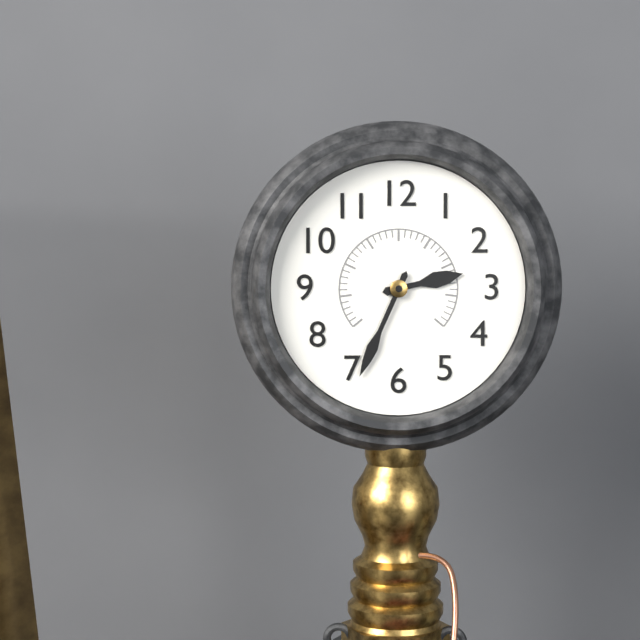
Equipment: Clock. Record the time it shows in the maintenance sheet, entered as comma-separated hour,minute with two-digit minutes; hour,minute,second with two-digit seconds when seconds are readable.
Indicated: 2,34
